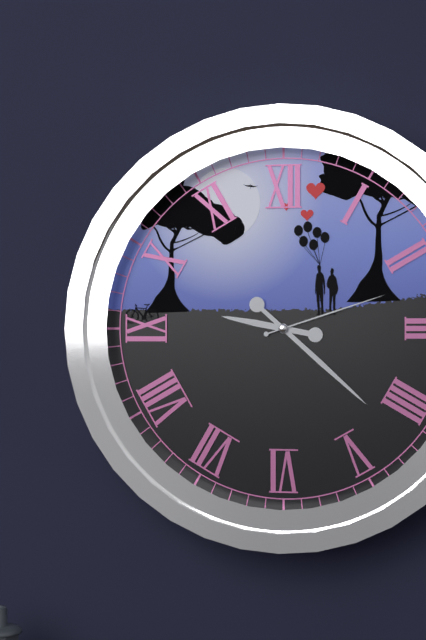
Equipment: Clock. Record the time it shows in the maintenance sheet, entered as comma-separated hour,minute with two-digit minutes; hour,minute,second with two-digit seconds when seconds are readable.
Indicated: 9,22,12
